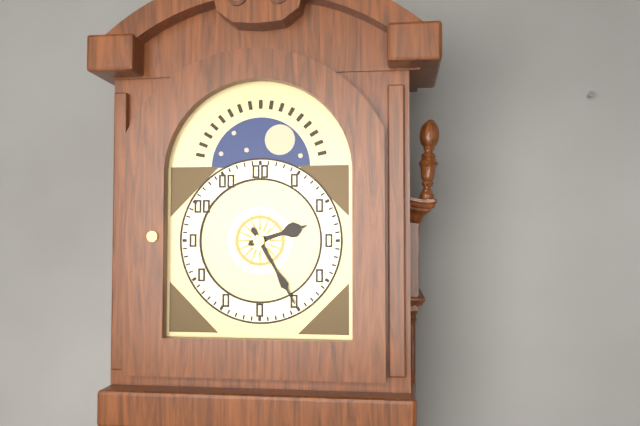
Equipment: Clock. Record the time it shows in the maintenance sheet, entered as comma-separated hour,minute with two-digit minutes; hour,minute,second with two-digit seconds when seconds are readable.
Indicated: 2,25
